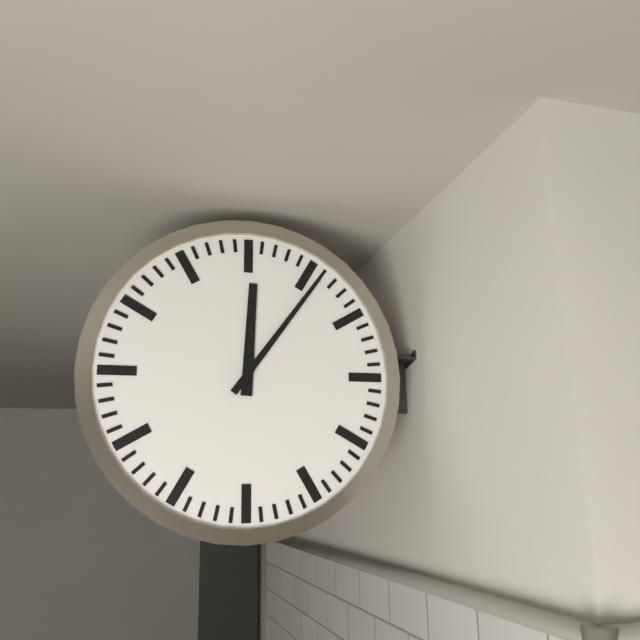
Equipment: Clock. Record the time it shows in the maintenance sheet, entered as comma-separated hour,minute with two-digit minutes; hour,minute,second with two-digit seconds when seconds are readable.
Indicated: 12,06
